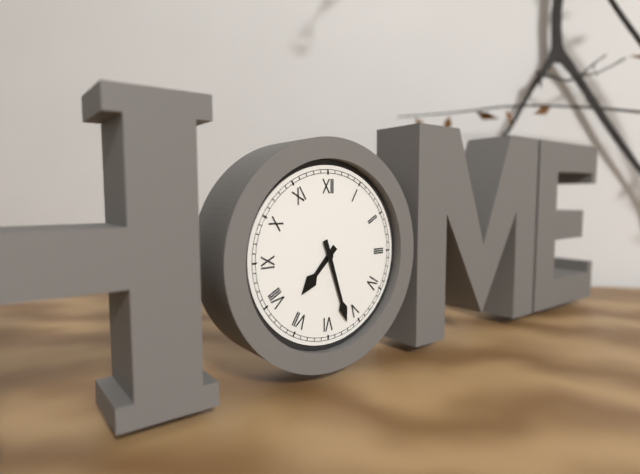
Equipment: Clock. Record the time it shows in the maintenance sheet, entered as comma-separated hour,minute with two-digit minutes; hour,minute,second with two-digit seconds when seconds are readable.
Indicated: 7,27
